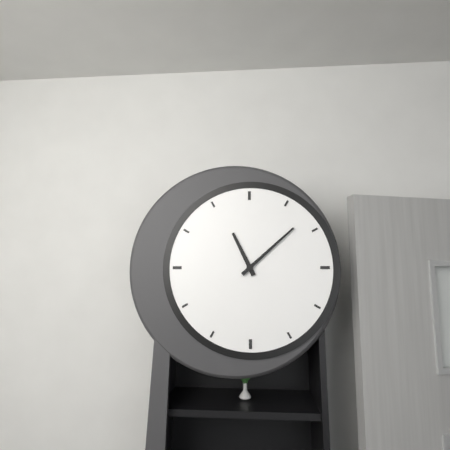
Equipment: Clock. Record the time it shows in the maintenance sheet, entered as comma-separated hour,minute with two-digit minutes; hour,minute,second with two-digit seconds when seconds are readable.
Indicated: 11,08
